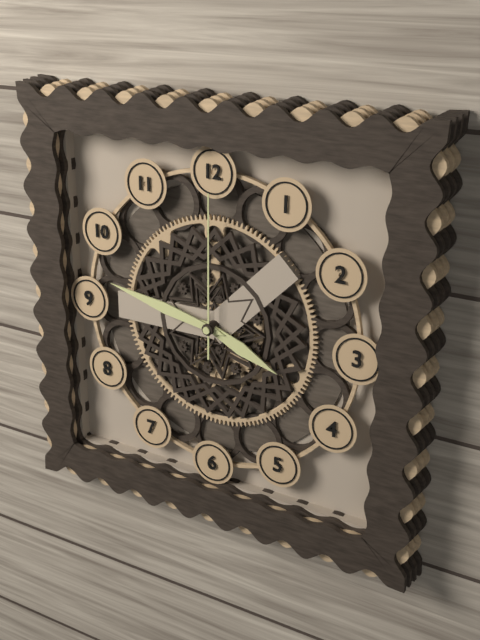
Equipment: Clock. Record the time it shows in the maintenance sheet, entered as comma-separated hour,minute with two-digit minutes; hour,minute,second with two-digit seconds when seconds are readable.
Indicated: 3,47,00
